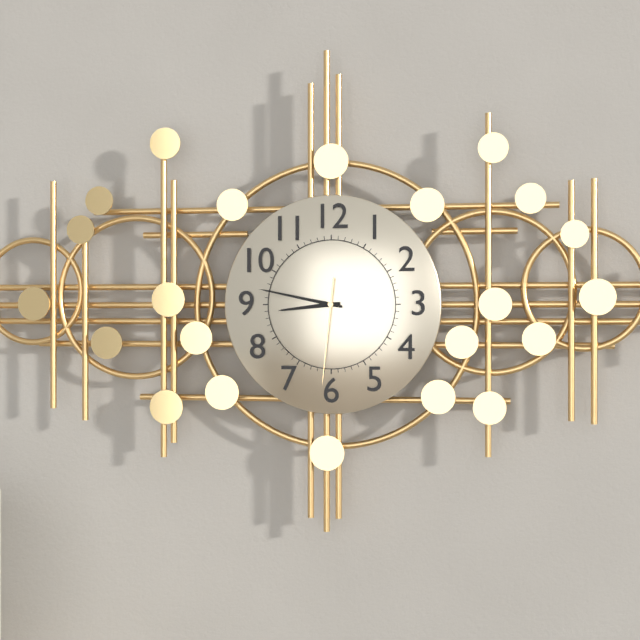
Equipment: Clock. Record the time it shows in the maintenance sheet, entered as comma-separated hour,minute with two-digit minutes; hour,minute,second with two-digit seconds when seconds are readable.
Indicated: 8,47,31
